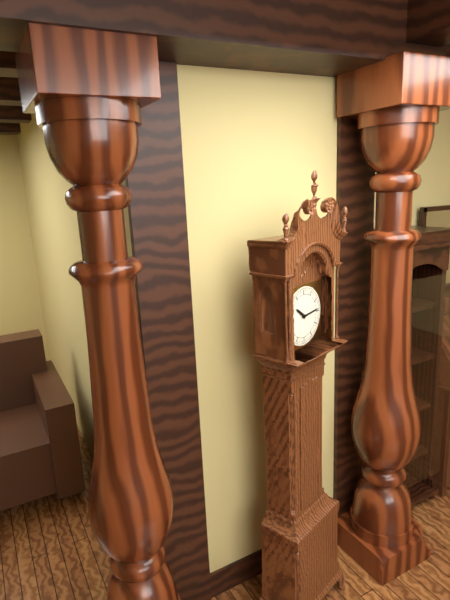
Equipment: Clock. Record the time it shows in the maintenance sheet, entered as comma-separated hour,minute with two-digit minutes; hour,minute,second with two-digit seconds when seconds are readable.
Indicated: 10,14
